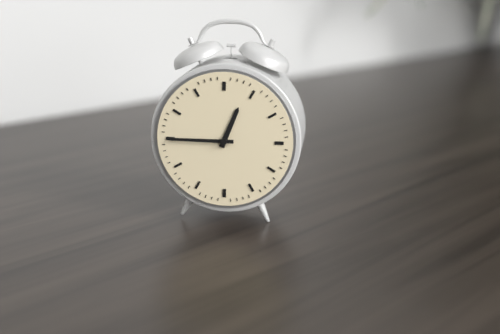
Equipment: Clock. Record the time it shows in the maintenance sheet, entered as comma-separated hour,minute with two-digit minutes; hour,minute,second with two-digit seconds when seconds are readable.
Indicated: 12,45
